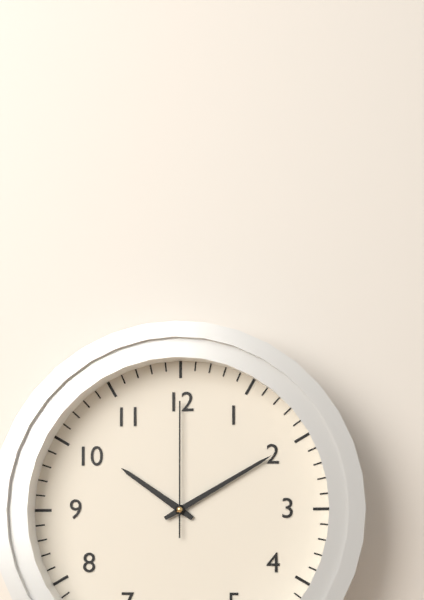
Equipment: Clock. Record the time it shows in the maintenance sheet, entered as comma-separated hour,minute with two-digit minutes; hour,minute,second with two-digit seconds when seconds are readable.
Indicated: 10,10,00
